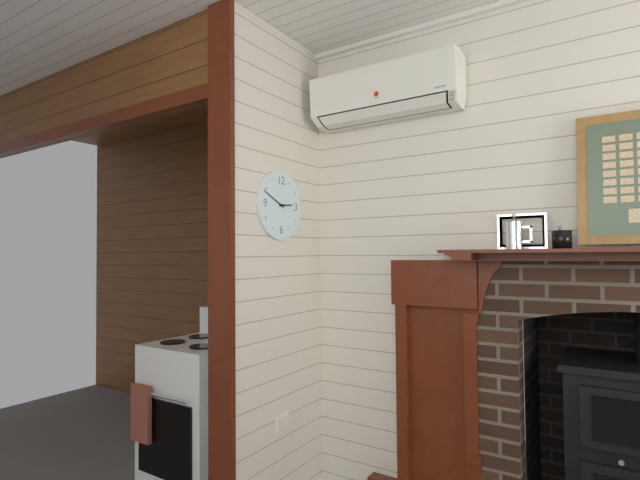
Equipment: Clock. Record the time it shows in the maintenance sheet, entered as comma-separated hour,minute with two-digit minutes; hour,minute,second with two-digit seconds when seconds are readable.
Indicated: 2,49
